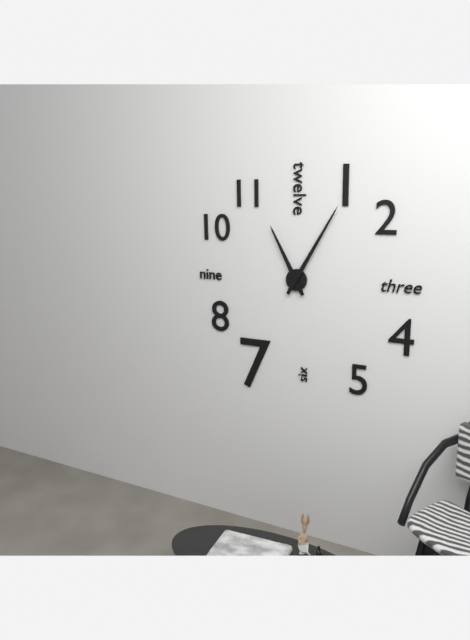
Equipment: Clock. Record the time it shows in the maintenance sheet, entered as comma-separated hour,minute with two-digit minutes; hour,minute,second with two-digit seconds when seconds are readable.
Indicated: 11,05
